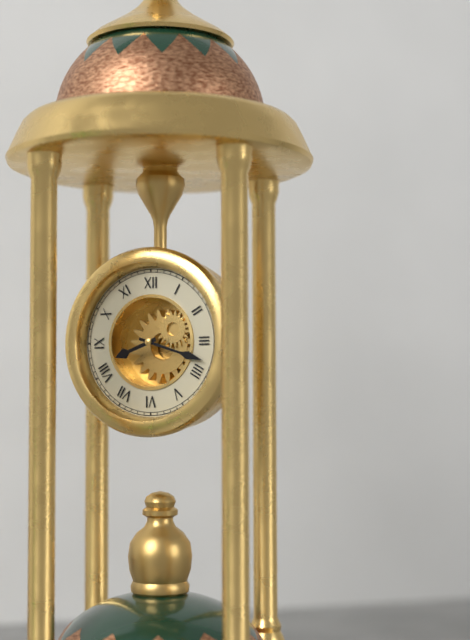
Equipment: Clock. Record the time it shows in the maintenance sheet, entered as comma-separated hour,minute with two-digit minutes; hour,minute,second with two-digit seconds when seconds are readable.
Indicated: 8,18
